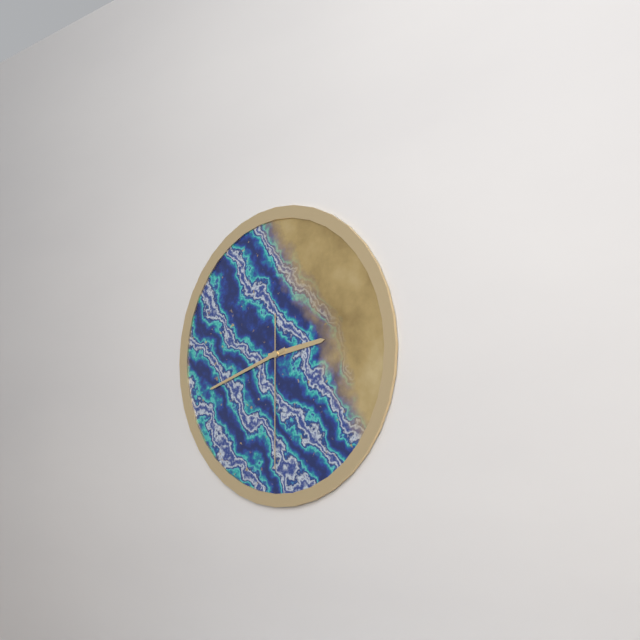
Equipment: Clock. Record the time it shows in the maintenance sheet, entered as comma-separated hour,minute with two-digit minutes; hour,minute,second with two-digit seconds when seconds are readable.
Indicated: 2,42,30
